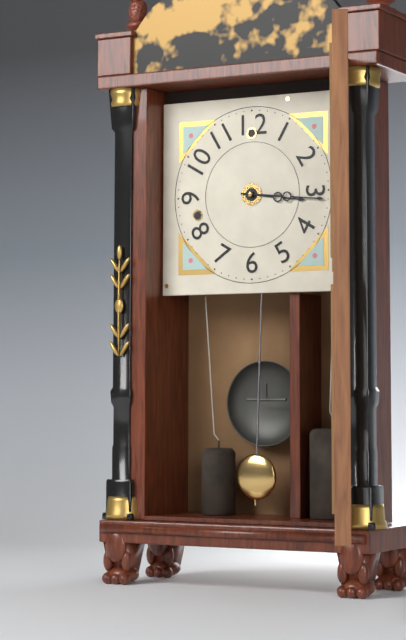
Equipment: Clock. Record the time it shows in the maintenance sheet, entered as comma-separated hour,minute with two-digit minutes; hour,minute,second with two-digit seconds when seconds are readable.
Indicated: 3,16
